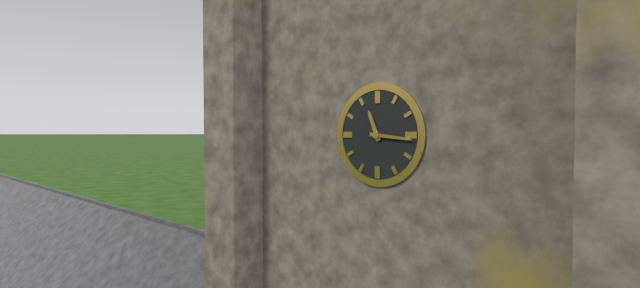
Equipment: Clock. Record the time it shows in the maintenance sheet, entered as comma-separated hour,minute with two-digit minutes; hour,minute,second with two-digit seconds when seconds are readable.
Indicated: 11,16
